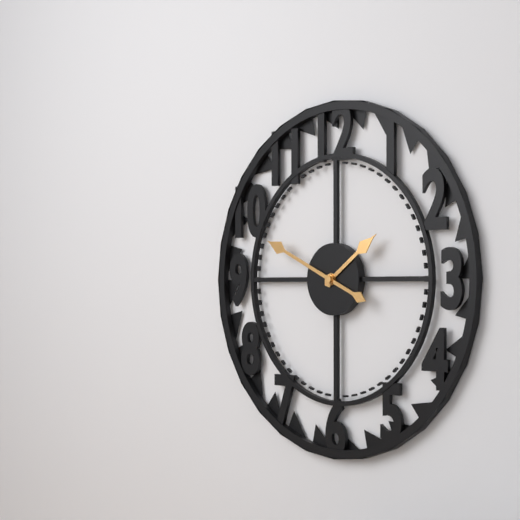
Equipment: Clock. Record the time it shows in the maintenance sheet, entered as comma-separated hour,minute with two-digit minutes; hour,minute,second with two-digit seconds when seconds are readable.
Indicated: 1,49
